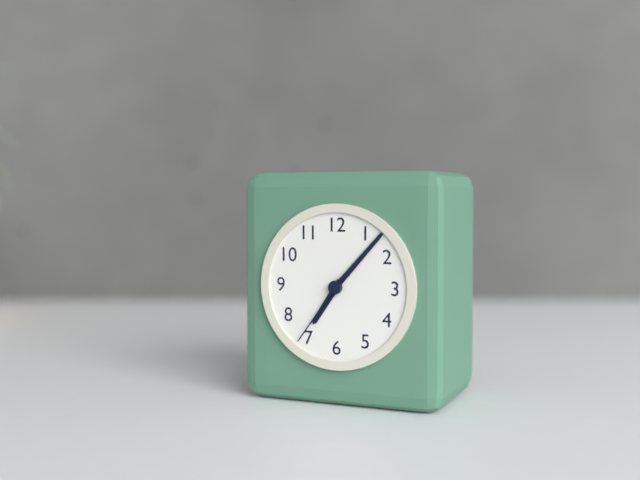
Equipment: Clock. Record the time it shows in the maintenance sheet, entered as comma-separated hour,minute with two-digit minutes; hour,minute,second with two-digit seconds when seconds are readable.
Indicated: 7,07,36
